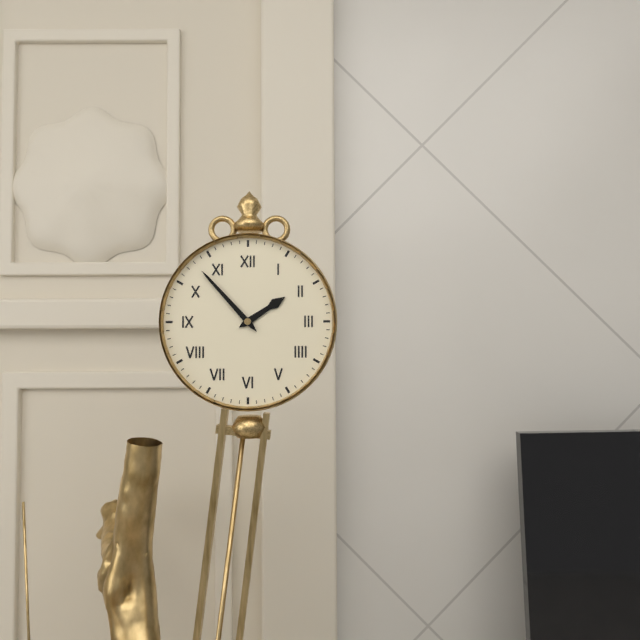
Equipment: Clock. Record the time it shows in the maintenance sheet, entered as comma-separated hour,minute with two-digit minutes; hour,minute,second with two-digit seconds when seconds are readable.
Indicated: 1,53
